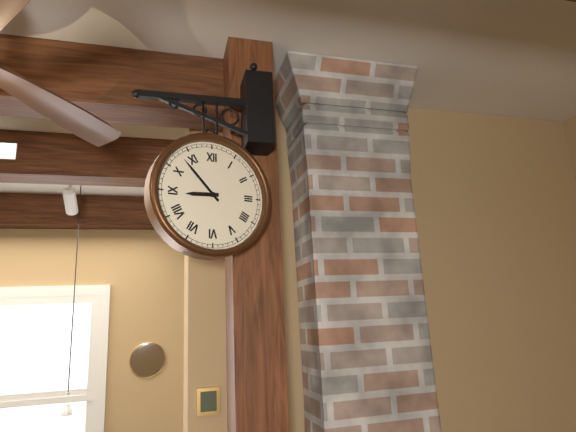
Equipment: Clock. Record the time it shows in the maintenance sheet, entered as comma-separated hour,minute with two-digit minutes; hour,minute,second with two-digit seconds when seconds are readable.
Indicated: 8,53
